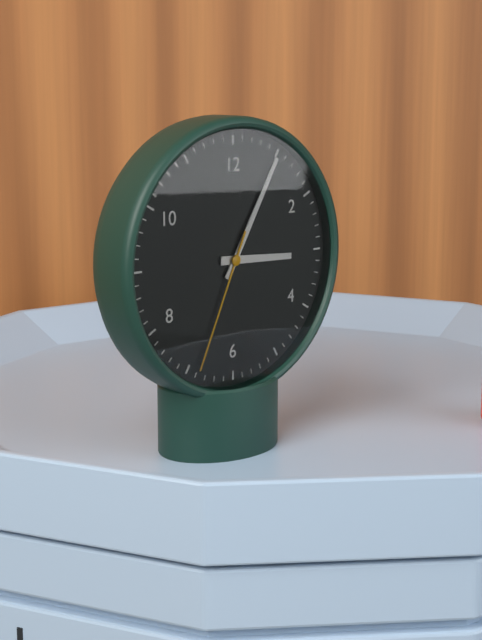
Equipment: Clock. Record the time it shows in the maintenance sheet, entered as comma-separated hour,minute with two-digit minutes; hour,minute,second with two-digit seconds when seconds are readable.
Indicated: 3,05,34
